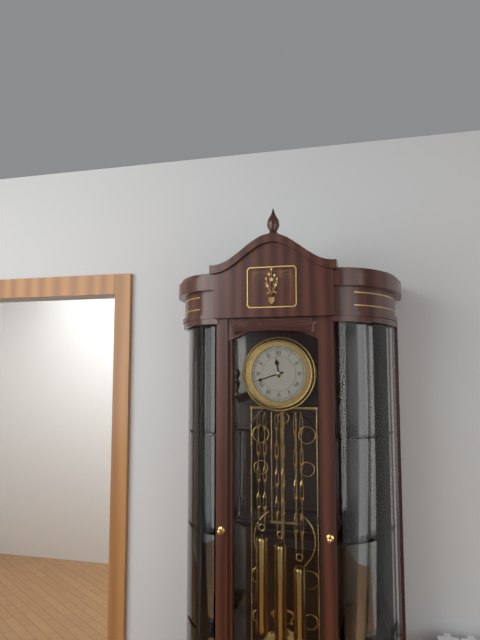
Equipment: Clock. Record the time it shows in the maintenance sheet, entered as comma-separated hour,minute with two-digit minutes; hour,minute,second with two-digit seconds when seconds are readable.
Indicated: 11,42
